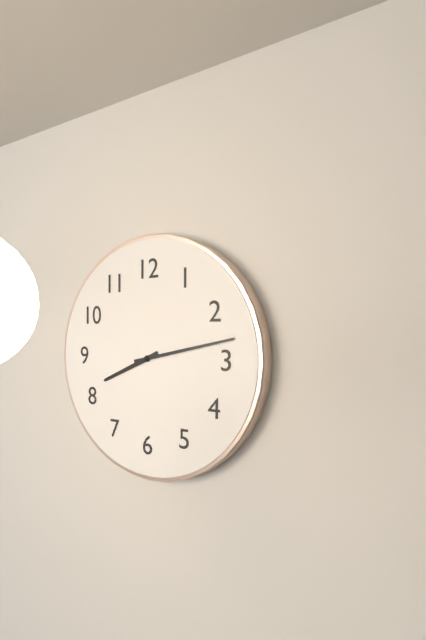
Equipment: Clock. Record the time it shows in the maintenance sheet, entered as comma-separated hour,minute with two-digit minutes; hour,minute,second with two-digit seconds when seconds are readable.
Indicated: 8,13
